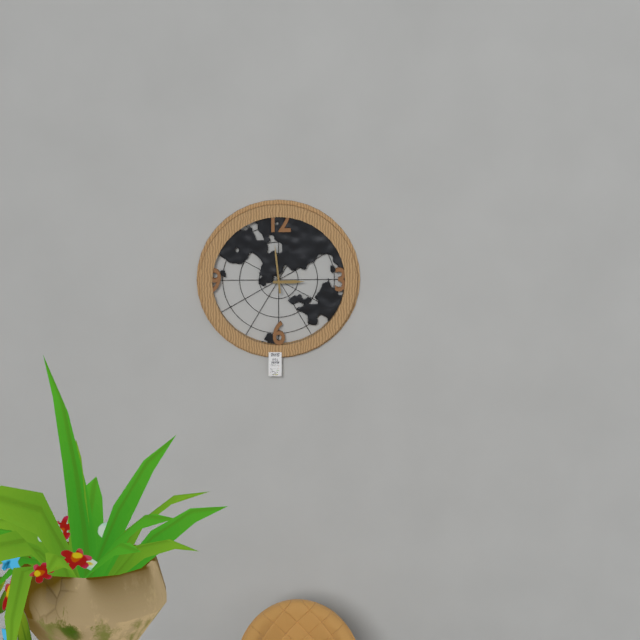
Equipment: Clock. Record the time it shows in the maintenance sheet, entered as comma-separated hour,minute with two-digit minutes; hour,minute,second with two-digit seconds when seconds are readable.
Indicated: 2,59
